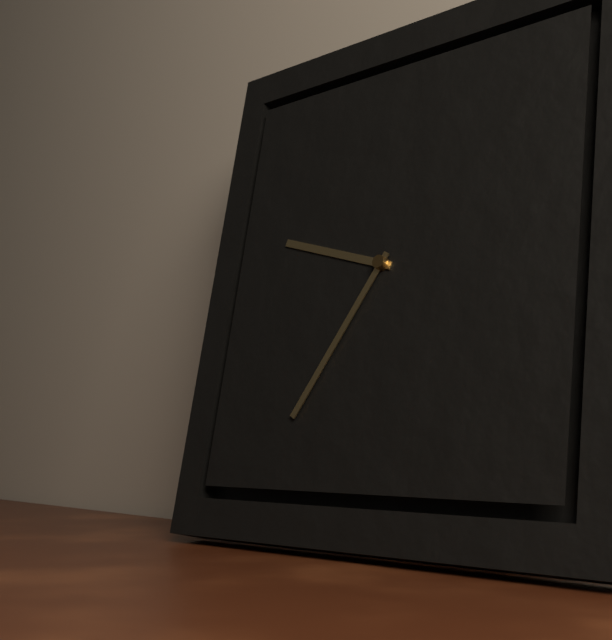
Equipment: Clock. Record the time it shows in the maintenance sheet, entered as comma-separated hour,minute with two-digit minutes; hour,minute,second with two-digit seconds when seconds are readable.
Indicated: 9,35
